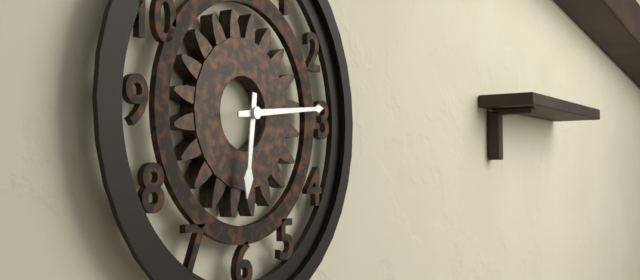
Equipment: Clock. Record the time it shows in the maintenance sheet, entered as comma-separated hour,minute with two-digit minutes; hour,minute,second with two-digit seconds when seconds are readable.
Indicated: 6,14
